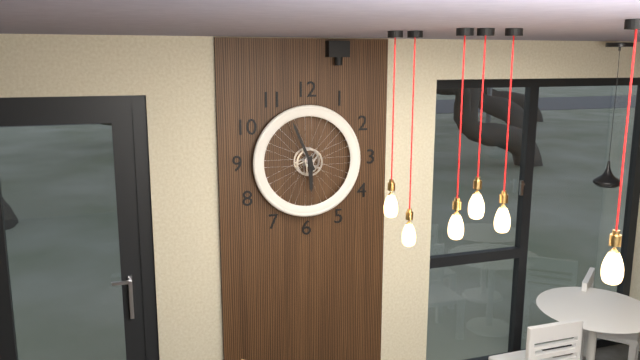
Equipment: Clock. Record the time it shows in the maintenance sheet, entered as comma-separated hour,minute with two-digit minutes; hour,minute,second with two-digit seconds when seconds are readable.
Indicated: 5,56
